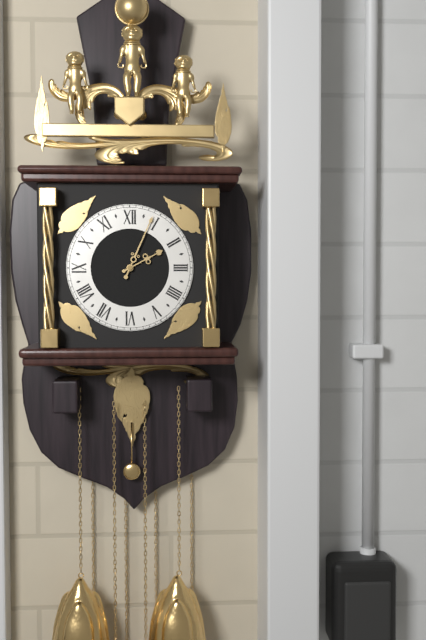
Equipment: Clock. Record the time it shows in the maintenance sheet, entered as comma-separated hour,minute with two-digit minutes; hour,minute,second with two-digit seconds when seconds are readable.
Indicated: 2,04
